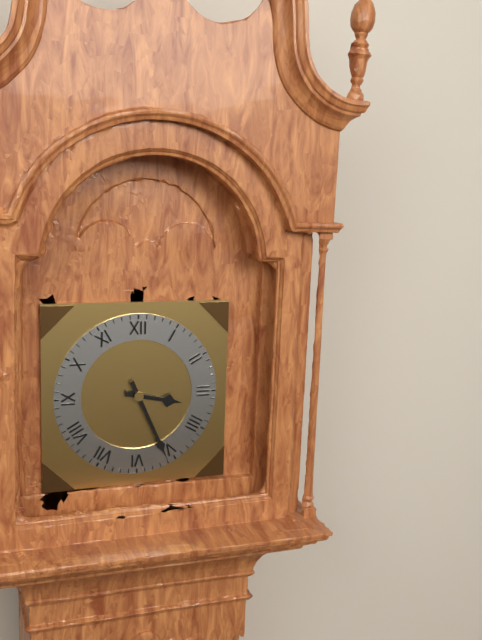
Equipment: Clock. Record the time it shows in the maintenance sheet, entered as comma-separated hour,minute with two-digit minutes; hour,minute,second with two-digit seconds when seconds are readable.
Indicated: 3,26
